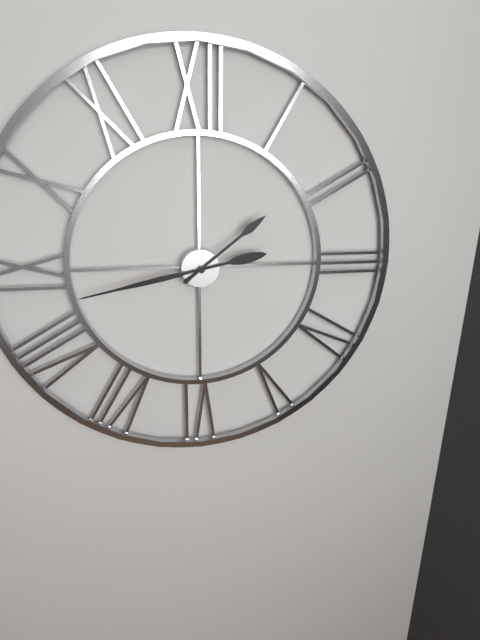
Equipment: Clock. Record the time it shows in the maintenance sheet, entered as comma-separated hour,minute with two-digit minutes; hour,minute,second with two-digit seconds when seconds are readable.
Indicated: 1,43
